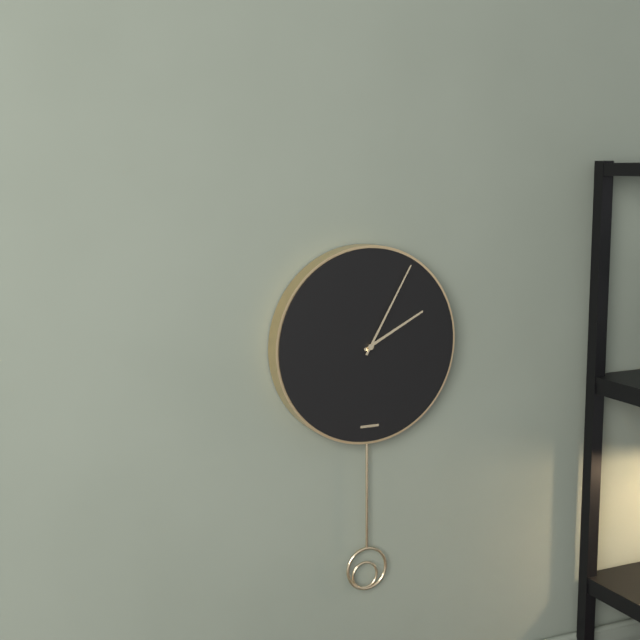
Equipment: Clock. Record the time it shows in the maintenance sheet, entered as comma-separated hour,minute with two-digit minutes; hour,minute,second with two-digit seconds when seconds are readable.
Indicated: 2,05
